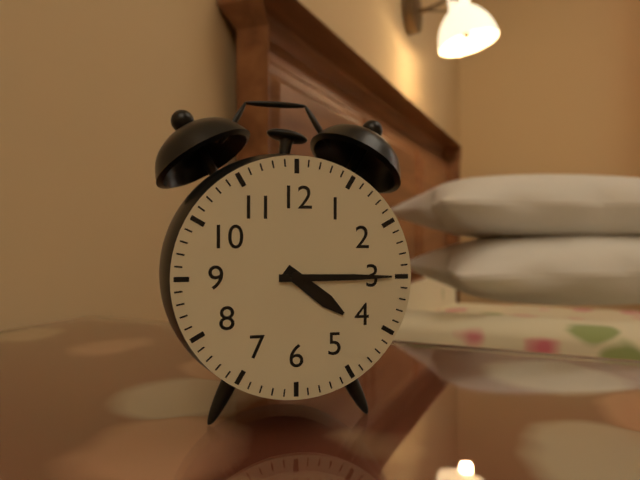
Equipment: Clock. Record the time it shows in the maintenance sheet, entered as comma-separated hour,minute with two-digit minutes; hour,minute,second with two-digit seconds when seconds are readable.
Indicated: 4,15
